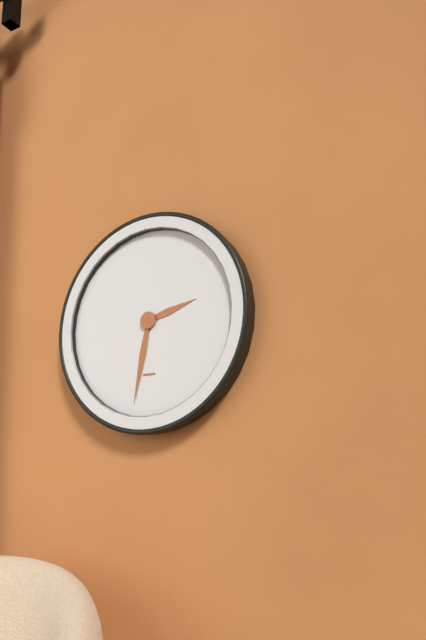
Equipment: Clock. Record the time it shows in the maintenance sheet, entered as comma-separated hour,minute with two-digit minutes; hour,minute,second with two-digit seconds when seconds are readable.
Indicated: 2,32
